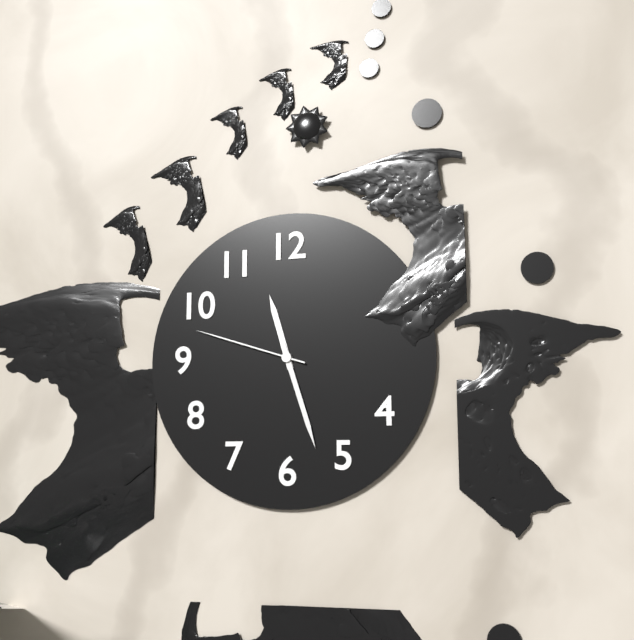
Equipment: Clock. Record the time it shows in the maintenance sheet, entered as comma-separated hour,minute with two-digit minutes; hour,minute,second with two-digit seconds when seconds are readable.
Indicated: 11,27,48
